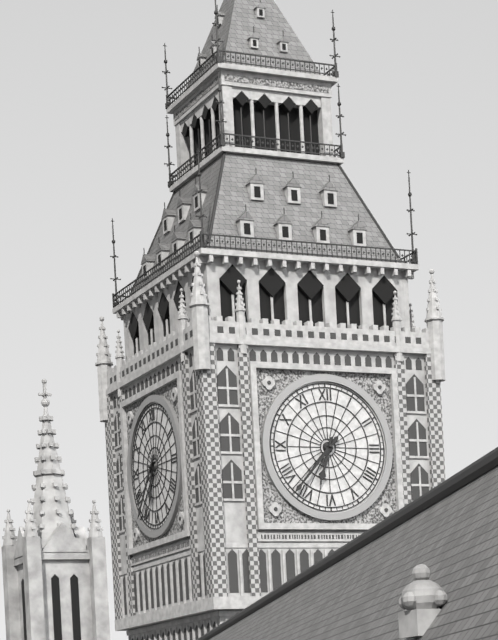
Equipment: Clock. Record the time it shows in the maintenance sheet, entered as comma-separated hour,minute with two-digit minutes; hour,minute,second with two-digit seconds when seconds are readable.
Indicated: 6,37
